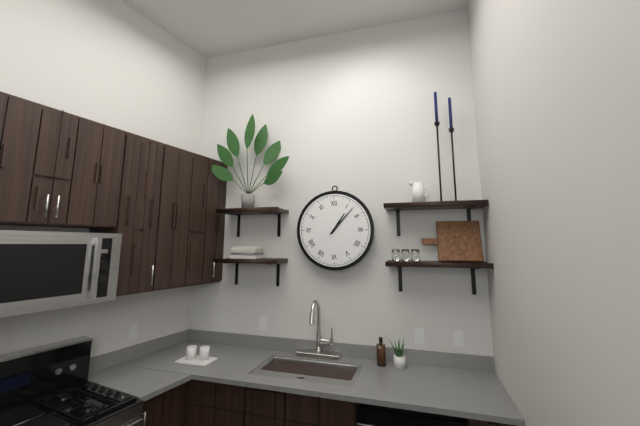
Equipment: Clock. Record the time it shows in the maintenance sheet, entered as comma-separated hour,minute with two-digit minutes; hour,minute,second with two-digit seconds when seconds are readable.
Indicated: 1,07
